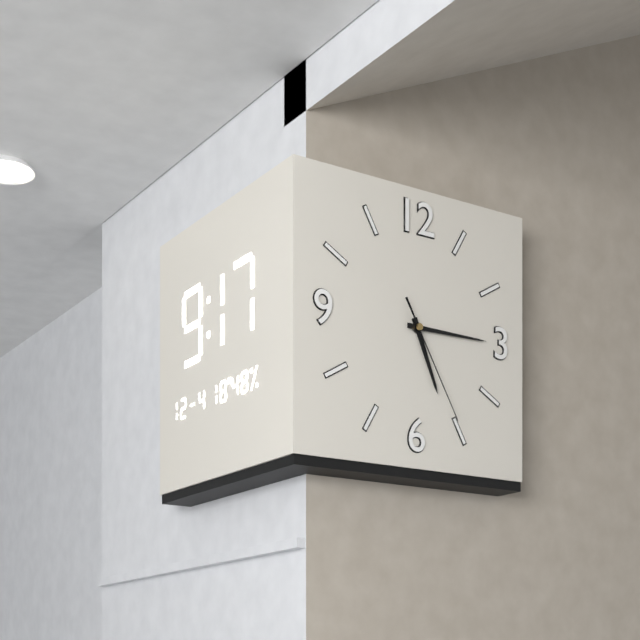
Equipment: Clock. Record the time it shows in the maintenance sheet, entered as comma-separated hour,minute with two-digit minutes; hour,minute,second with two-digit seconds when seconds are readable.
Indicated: 5,15,25
